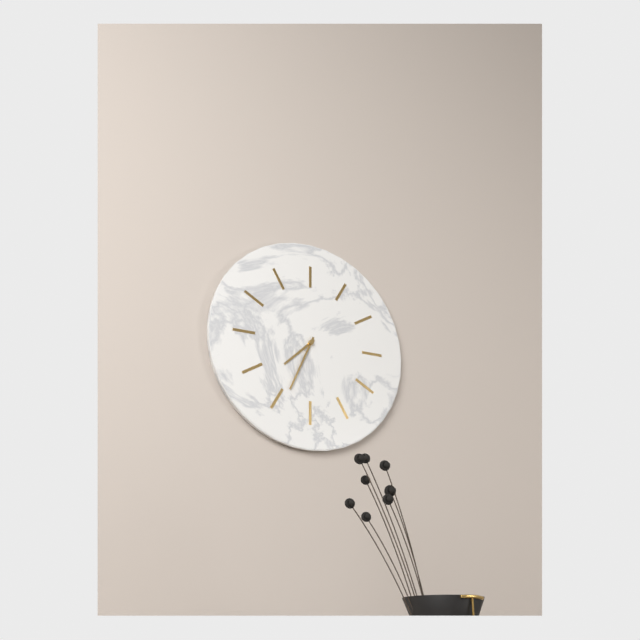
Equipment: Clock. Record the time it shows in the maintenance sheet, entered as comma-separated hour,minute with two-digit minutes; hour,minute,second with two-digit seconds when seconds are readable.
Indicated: 7,34
